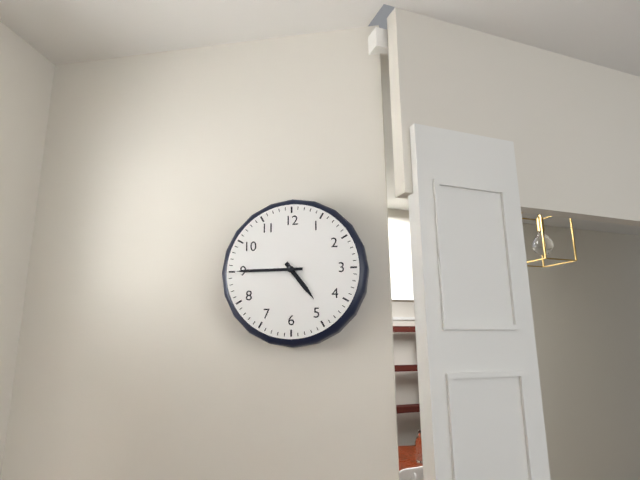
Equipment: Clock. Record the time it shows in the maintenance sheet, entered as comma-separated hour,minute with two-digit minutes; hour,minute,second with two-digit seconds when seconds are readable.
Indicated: 4,45
